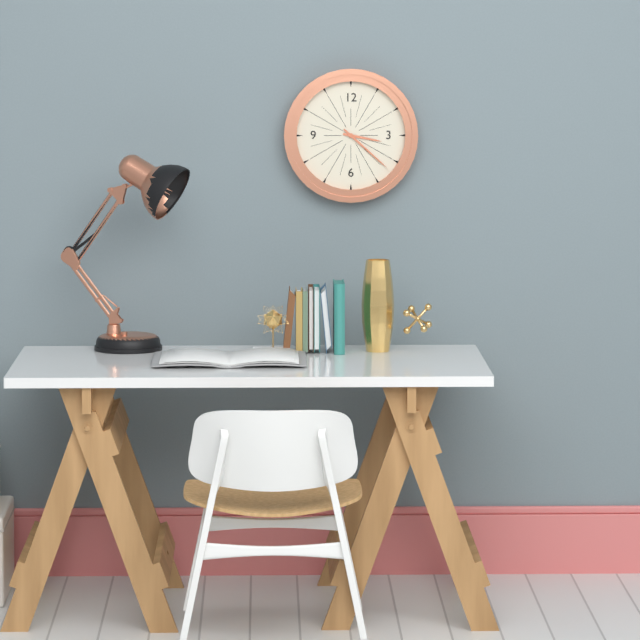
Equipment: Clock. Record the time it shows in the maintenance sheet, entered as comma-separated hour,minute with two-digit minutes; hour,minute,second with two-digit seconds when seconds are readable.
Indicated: 3,22
